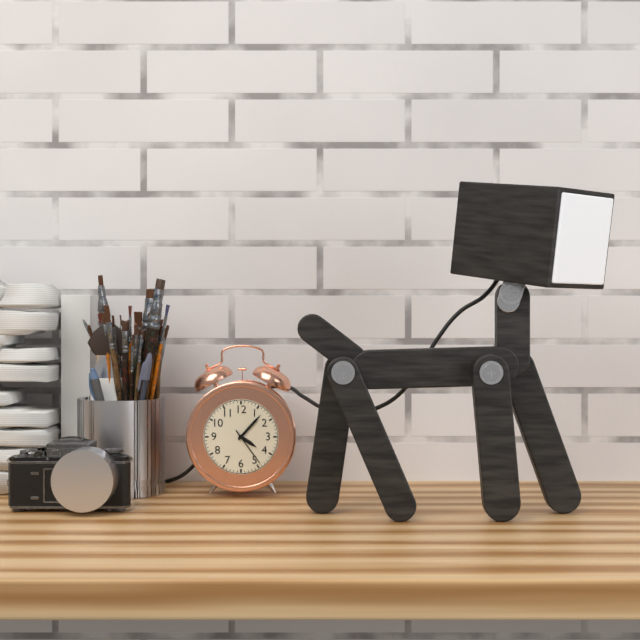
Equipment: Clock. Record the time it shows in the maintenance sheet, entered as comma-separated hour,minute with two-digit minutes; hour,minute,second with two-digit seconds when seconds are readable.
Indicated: 4,07
